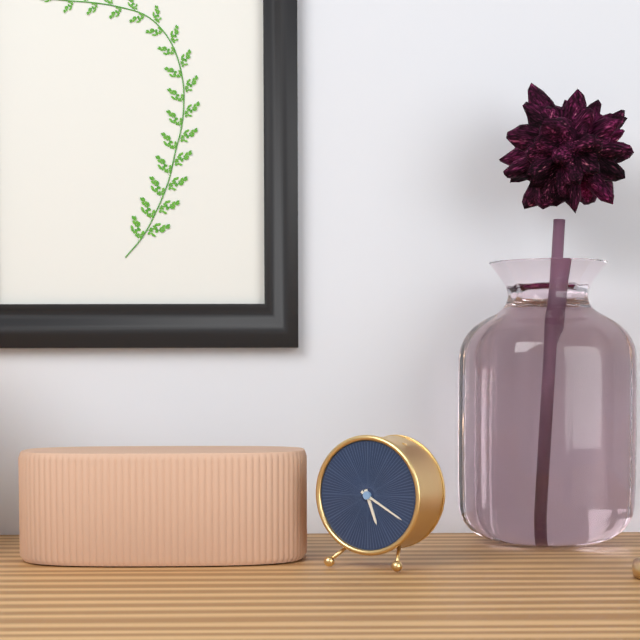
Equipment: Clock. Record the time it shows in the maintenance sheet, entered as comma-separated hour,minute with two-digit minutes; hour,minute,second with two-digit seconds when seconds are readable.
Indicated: 5,20
